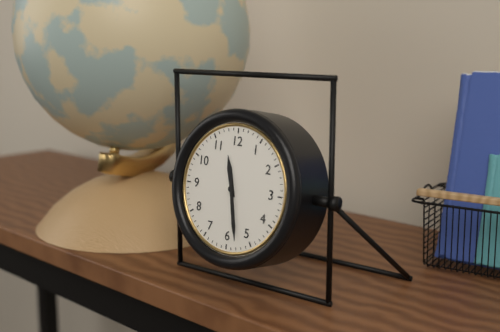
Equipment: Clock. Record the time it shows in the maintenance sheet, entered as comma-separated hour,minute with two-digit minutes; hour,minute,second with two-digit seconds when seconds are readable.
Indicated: 11,28
